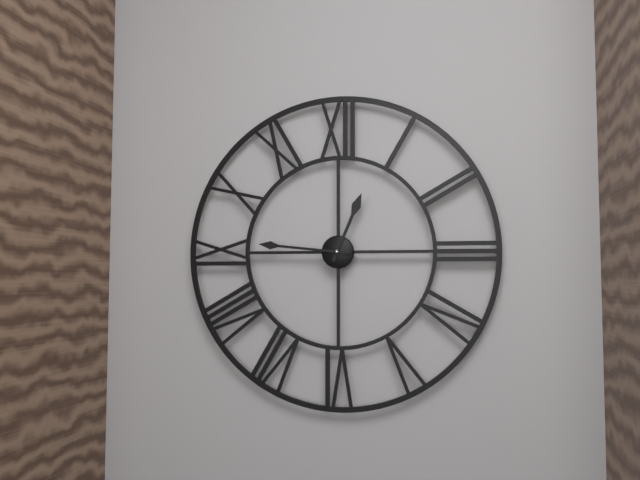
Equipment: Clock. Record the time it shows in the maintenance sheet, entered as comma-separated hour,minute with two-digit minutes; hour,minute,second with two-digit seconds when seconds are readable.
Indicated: 12,46
